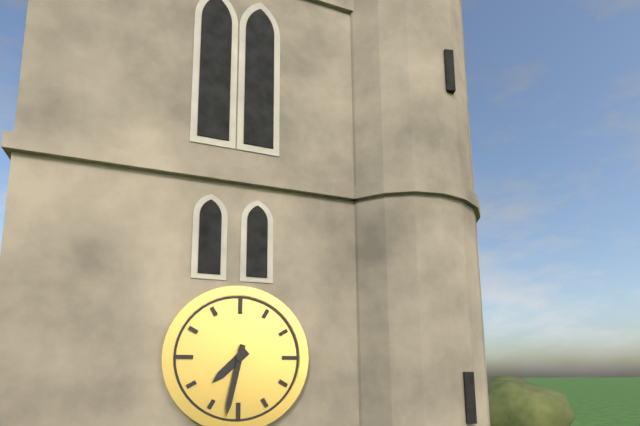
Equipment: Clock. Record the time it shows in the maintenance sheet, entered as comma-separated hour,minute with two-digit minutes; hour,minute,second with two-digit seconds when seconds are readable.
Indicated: 7,32
